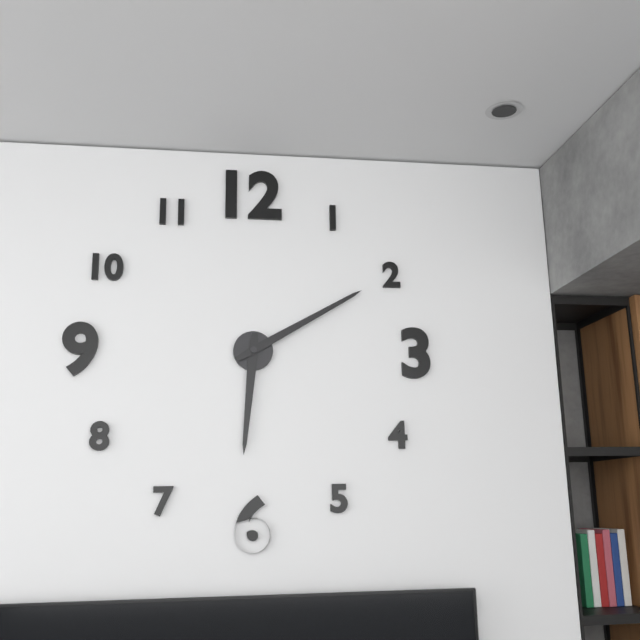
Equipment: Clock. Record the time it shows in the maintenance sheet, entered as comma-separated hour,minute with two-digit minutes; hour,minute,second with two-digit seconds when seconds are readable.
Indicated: 6,10
